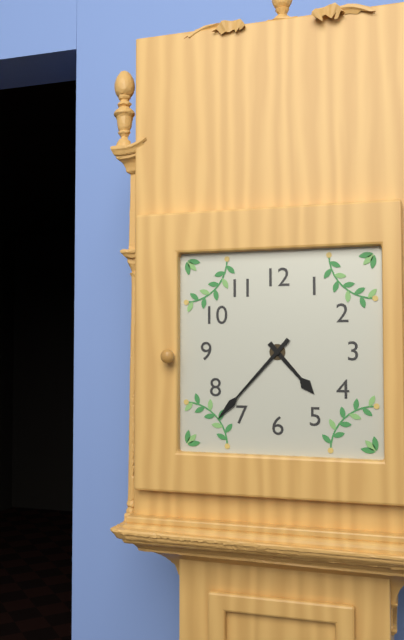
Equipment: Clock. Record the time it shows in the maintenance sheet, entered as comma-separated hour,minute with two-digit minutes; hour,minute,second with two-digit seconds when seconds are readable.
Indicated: 4,37
